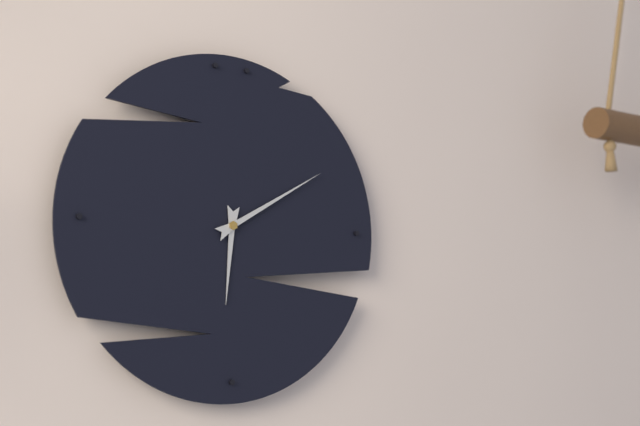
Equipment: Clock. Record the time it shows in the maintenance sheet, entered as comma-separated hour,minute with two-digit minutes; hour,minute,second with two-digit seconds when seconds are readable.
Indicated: 6,10
